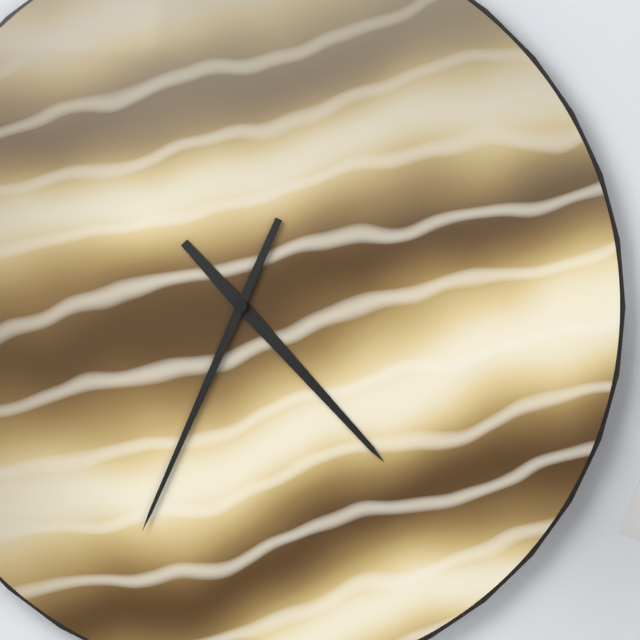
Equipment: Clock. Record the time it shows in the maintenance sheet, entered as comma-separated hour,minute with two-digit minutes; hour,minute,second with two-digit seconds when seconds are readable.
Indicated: 4,34
